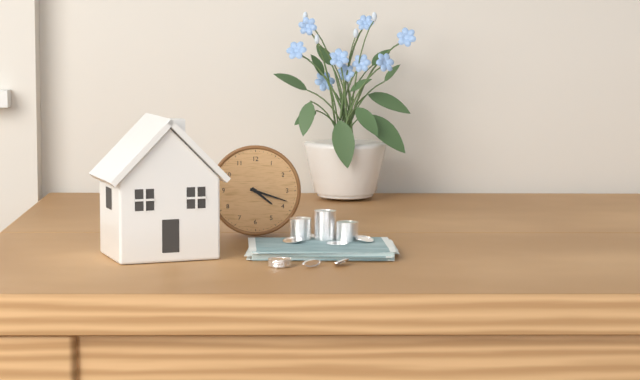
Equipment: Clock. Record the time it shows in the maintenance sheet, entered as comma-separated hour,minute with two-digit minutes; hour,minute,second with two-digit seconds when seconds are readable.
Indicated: 4,18
